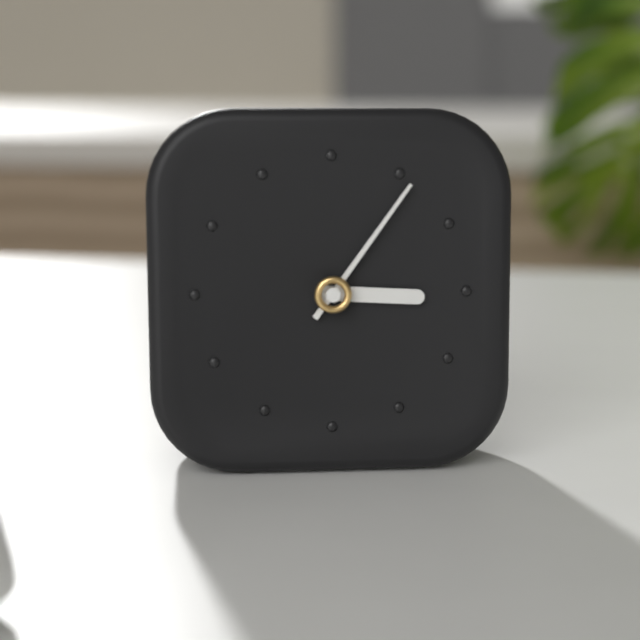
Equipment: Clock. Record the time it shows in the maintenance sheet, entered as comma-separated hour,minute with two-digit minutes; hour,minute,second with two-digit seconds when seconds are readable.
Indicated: 3,06
